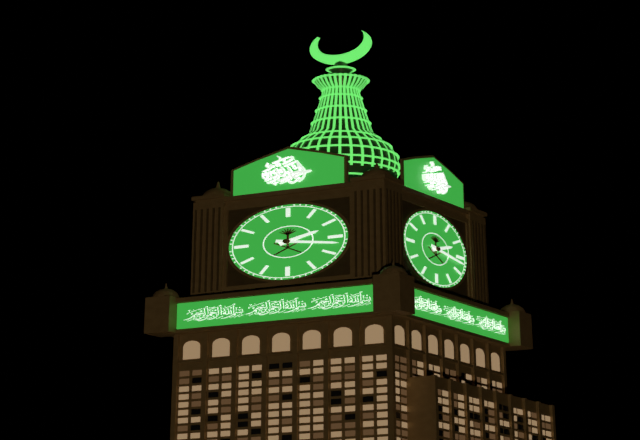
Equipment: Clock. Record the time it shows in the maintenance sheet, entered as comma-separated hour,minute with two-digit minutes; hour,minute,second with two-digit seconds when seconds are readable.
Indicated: 2,17
